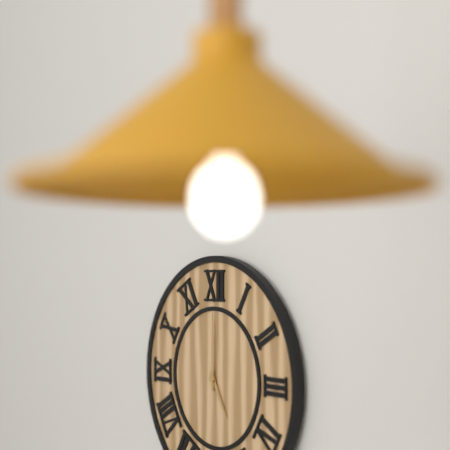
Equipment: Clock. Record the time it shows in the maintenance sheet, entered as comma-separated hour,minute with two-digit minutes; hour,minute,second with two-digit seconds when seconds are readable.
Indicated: 5,00
